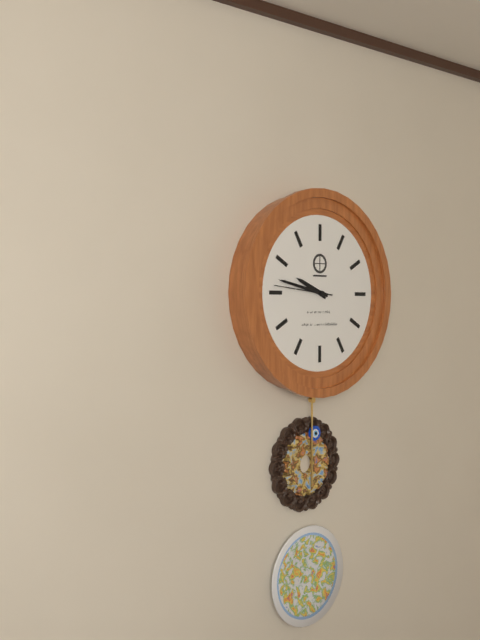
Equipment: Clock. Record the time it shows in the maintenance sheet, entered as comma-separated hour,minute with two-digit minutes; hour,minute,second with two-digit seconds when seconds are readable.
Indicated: 9,47,46
